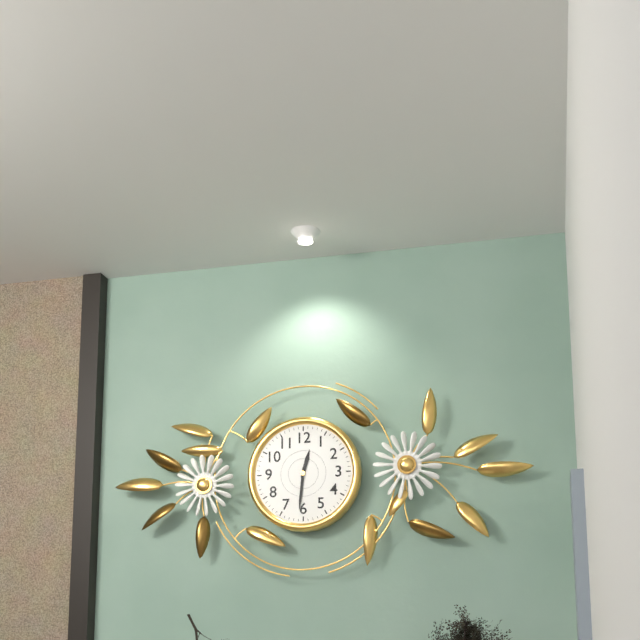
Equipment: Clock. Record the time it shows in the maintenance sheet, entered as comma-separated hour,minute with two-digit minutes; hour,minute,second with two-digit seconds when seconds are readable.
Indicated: 12,31
